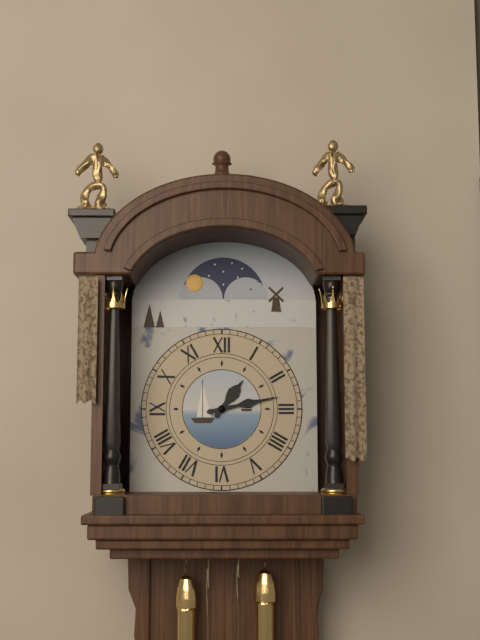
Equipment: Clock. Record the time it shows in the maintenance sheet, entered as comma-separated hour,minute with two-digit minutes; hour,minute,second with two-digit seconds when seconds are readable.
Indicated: 1,13
